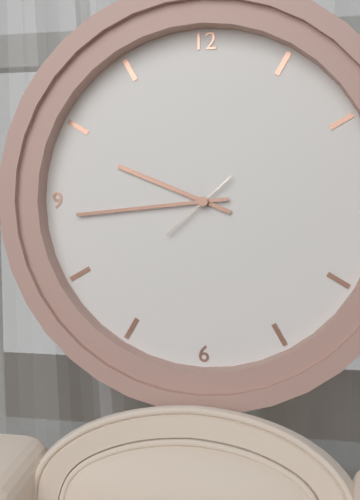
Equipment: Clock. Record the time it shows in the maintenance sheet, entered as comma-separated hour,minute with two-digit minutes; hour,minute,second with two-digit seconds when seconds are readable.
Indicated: 9,44,38
